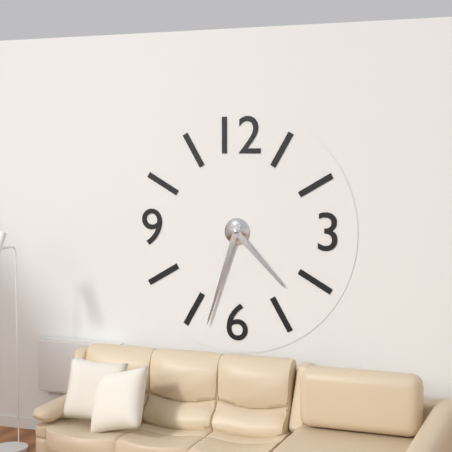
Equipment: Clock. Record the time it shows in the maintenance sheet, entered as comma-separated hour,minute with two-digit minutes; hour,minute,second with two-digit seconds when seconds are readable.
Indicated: 4,33
